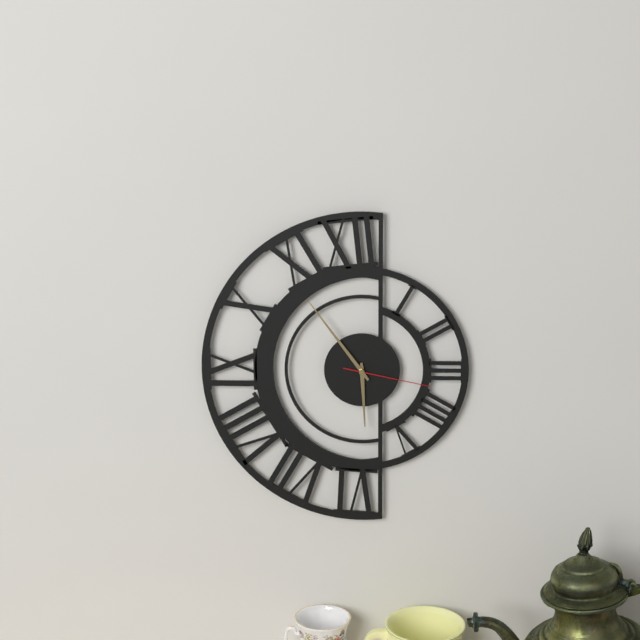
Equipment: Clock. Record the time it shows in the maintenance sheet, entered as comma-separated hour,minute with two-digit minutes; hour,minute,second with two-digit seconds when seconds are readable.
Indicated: 5,54,17
